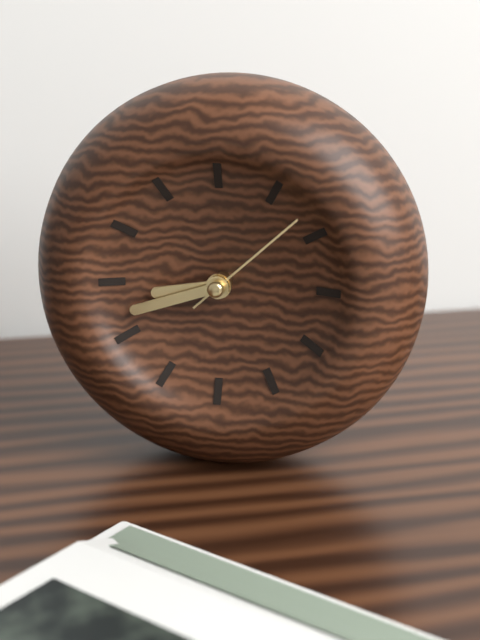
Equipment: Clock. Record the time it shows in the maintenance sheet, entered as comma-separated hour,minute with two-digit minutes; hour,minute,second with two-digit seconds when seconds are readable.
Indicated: 8,42,08
